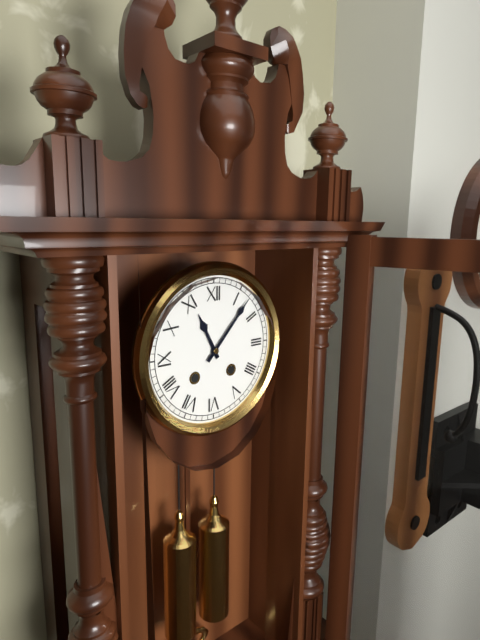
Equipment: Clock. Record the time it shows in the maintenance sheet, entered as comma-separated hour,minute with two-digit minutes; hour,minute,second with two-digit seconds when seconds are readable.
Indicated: 11,07
